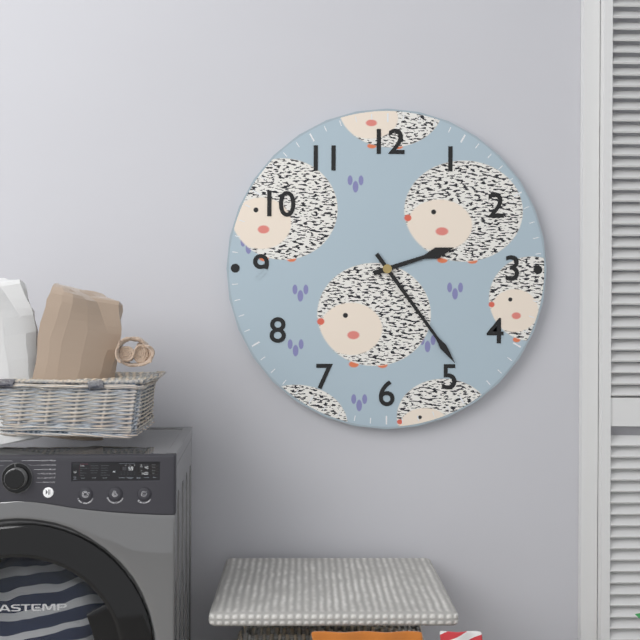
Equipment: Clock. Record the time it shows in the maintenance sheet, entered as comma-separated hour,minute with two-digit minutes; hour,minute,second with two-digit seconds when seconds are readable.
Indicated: 2,24
